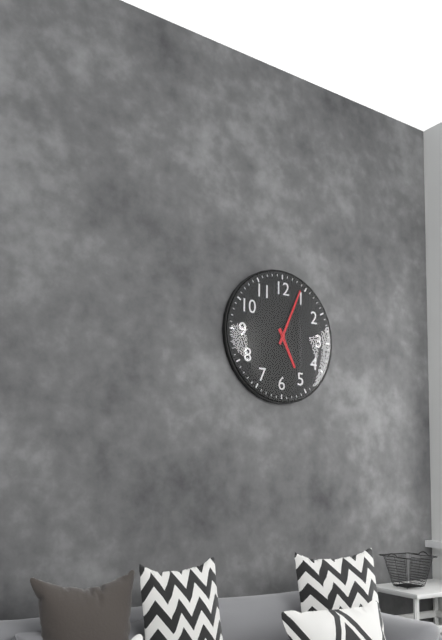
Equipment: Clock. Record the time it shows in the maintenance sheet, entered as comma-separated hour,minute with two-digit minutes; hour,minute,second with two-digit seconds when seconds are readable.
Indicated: 5,04
